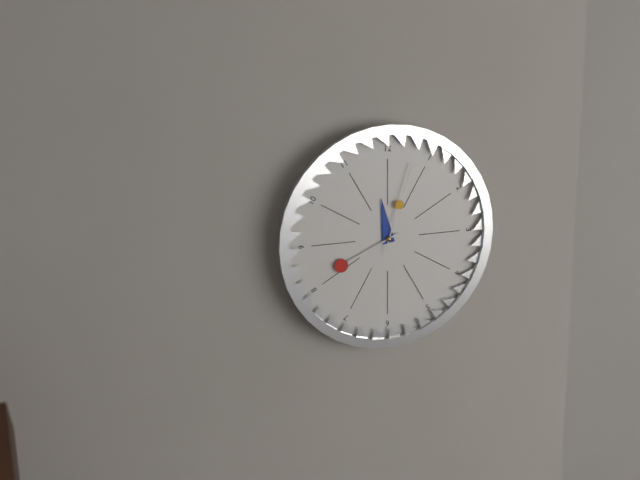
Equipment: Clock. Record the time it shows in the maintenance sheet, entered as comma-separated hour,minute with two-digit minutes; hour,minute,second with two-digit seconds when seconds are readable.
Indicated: 11,41,03
